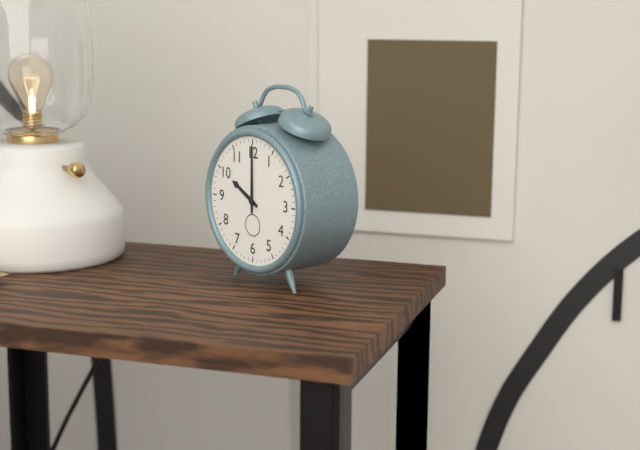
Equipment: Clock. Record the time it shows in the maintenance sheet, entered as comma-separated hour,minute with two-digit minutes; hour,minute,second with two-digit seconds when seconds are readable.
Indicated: 10,00
